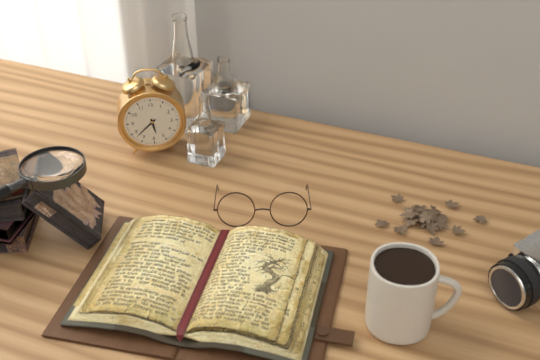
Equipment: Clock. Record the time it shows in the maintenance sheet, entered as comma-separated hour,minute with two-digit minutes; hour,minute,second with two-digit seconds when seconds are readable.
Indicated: 5,38
